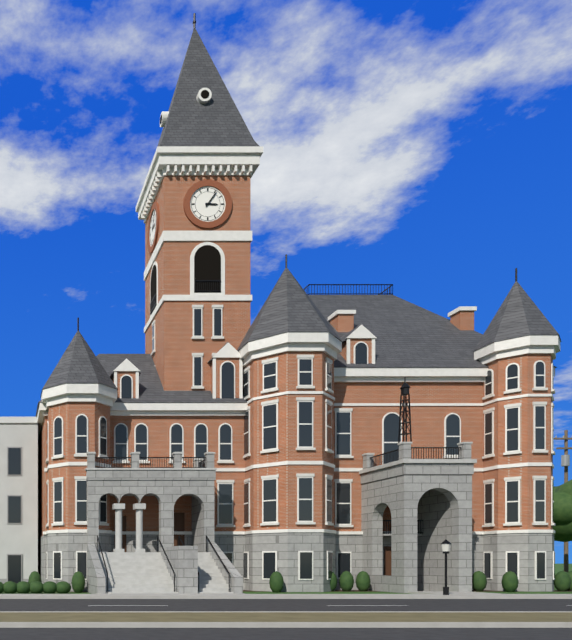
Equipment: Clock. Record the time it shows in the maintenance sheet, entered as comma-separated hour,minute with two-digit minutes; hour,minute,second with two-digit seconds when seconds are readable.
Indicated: 3,06
